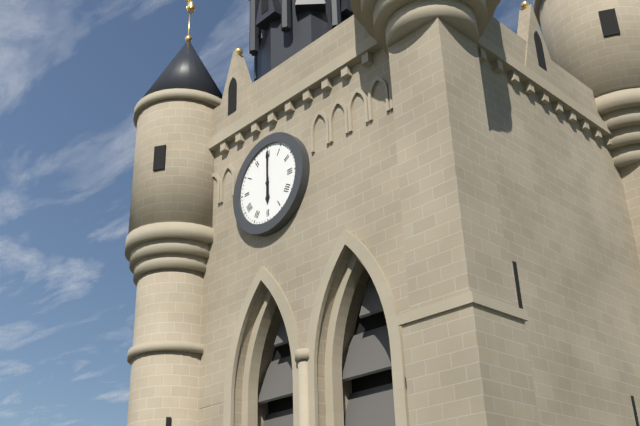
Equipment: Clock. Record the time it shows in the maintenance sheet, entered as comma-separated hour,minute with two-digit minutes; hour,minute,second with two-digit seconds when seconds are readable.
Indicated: 6,00
